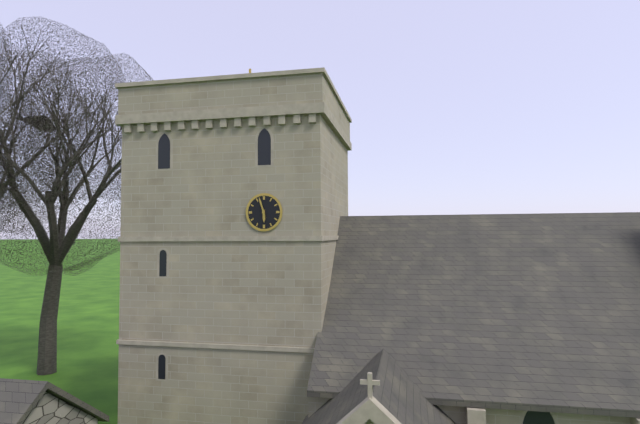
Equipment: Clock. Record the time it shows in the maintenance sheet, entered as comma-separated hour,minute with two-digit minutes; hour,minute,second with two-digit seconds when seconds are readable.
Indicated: 5,57
